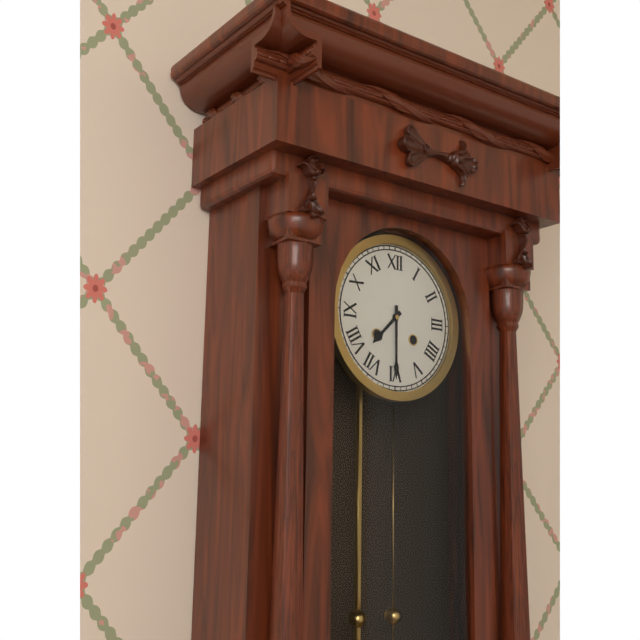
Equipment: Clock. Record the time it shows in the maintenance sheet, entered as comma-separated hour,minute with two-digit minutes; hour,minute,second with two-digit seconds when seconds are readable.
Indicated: 7,30
